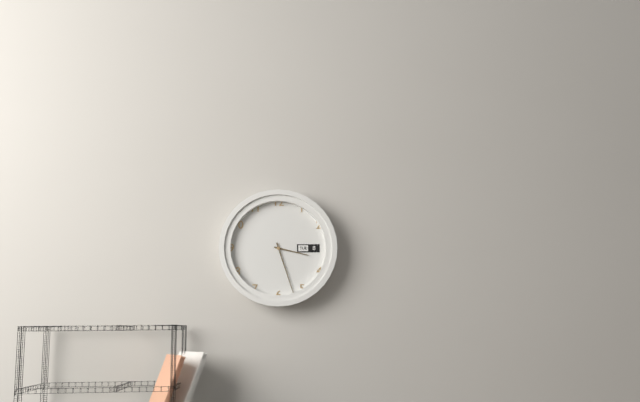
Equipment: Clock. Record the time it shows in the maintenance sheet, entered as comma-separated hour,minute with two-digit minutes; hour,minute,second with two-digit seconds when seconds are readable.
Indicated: 3,27
